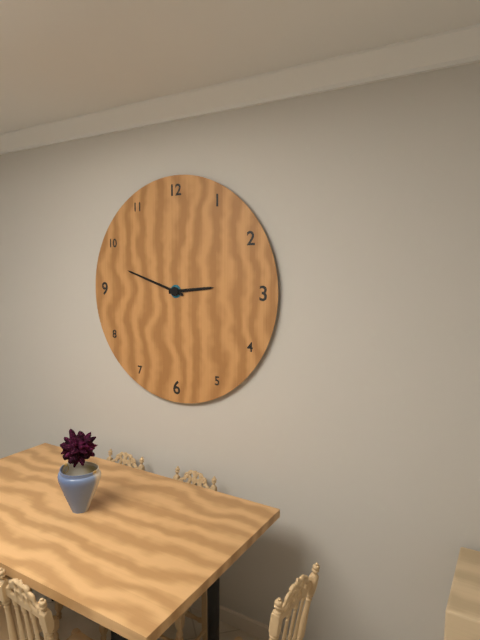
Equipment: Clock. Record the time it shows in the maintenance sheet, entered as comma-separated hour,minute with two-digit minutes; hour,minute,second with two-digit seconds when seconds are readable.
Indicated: 2,48
